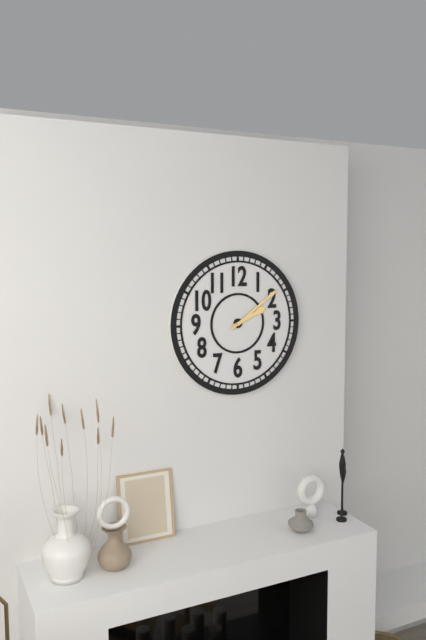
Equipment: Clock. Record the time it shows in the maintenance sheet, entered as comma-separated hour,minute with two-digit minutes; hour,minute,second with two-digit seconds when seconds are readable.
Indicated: 2,09
